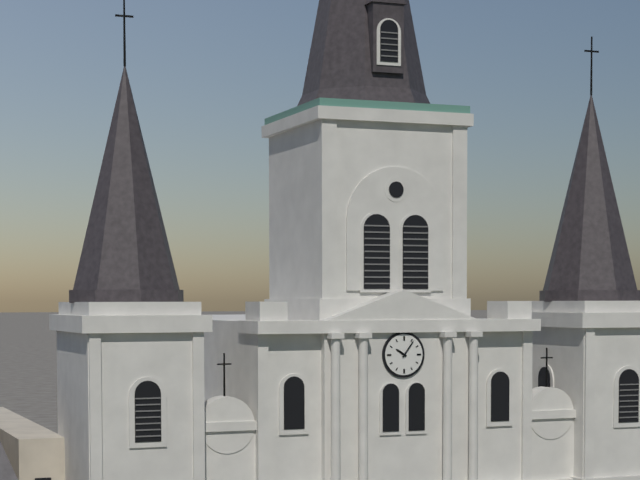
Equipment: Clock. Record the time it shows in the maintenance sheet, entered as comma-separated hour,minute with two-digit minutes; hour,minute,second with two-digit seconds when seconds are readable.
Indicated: 10,06
